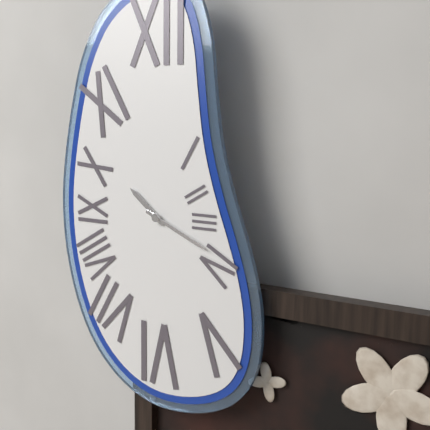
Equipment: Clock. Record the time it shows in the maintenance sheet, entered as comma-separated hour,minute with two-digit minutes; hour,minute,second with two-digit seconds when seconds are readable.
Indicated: 10,19
